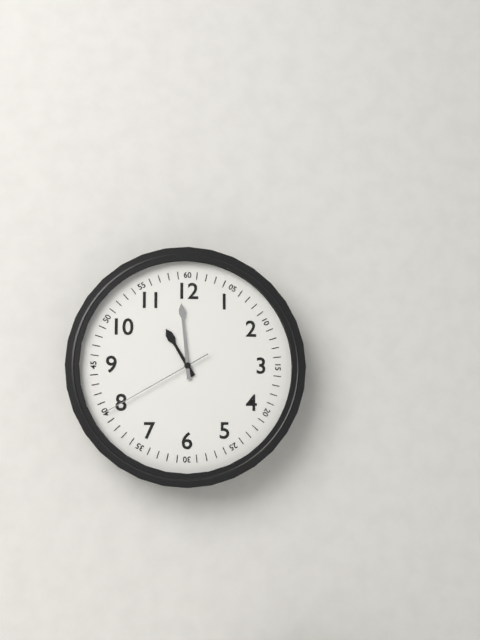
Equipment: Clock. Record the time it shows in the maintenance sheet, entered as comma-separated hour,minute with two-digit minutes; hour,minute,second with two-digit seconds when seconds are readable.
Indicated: 10,59,40
